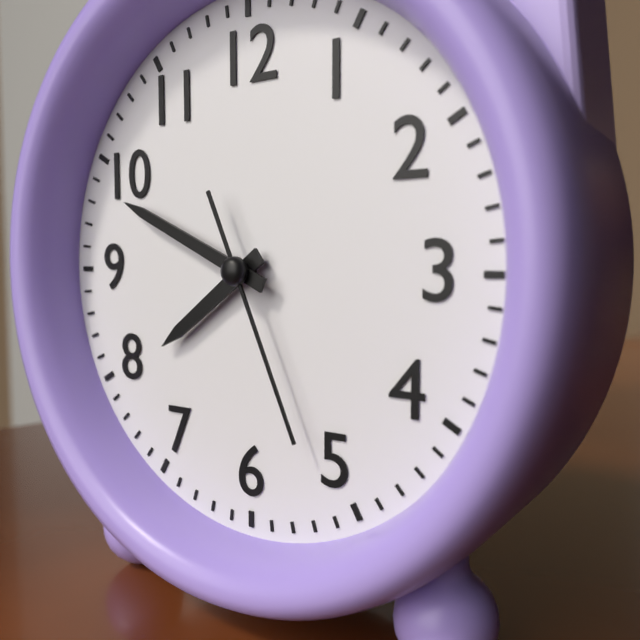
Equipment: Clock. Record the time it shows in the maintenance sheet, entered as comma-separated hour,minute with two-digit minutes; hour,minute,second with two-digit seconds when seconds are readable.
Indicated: 7,49,26
